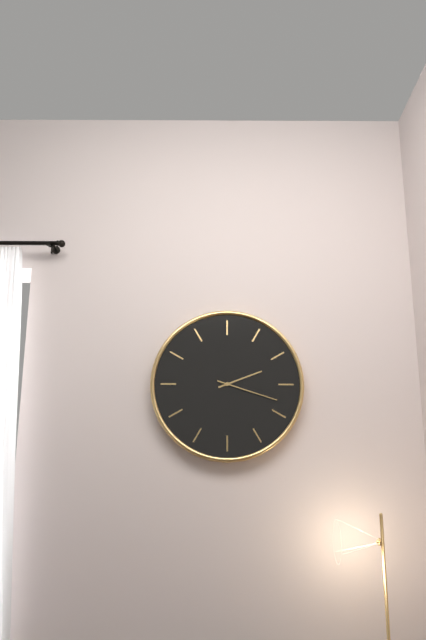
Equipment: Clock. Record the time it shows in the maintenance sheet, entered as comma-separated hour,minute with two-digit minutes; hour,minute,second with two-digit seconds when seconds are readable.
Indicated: 2,18
